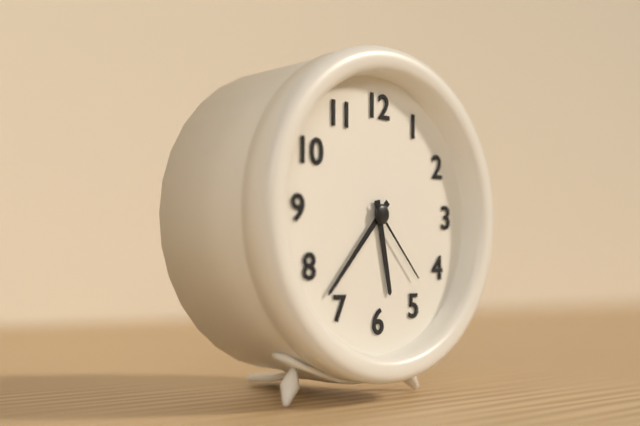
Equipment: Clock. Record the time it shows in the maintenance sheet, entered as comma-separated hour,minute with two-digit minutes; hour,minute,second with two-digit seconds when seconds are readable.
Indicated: 5,37,23
